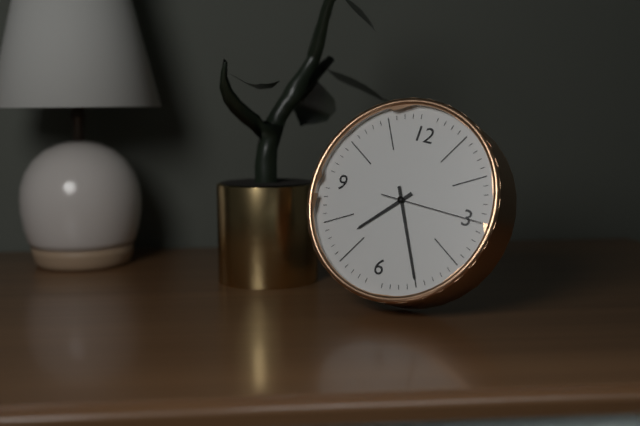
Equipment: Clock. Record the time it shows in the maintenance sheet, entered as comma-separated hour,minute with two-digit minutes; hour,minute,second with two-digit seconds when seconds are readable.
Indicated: 7,25,15
